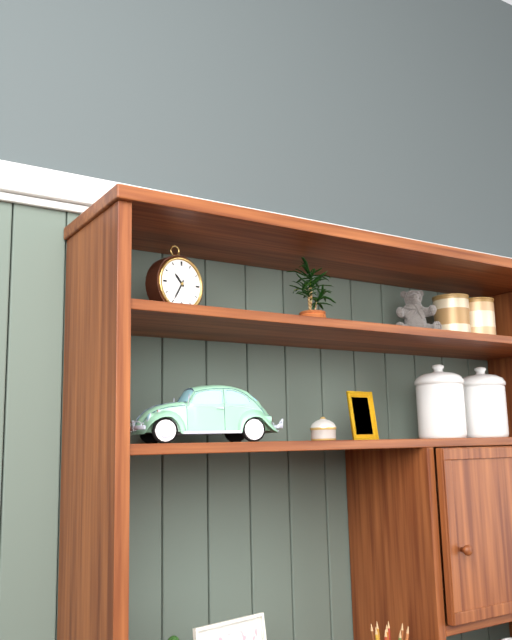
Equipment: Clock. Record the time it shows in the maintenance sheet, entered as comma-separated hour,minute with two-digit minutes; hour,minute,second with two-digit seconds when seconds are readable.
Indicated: 10,35
